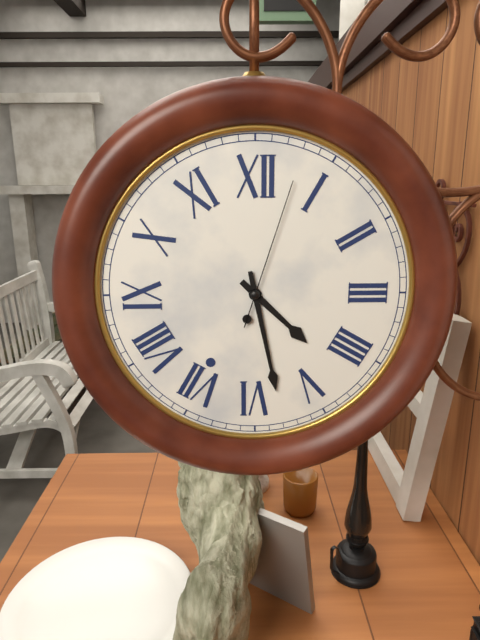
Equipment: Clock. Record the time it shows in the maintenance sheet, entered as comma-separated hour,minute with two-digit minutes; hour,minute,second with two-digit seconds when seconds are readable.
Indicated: 4,28,03
